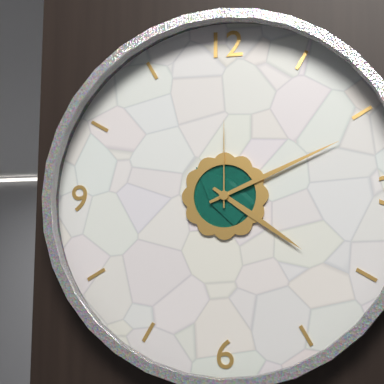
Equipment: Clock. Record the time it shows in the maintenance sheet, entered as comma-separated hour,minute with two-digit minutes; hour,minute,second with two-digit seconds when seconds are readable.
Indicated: 4,11,00
